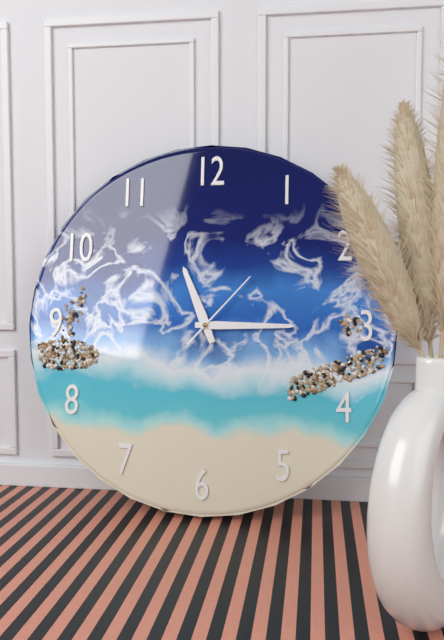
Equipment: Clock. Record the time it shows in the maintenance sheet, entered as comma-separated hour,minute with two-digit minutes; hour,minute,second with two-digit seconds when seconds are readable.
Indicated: 11,15,07
